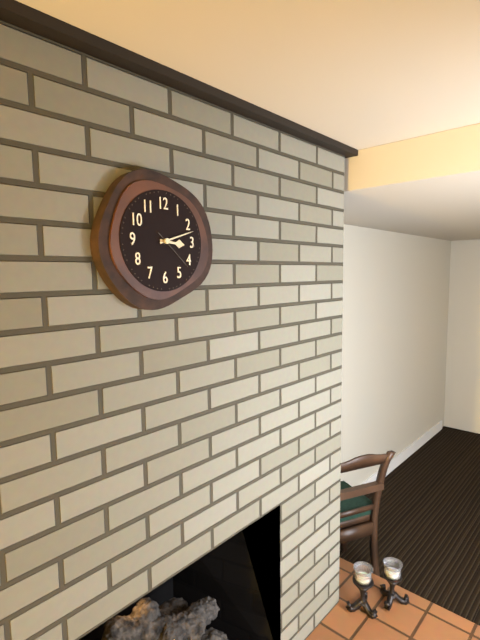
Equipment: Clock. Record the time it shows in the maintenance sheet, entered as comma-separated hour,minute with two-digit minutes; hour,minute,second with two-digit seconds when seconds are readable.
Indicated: 3,12
